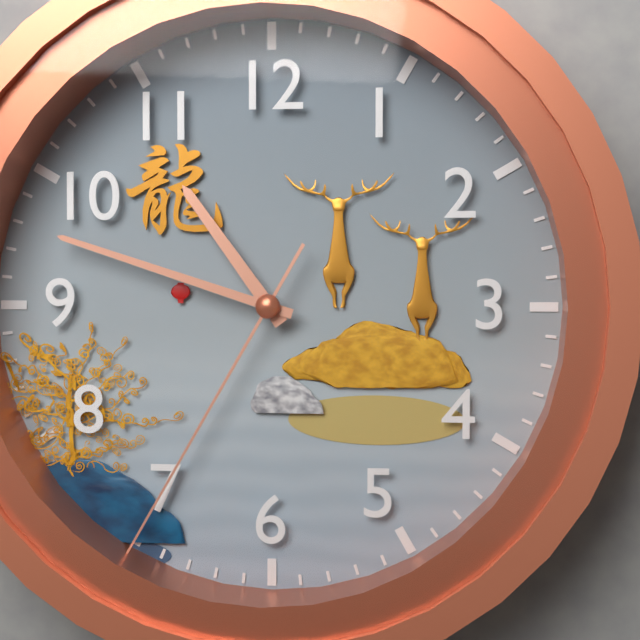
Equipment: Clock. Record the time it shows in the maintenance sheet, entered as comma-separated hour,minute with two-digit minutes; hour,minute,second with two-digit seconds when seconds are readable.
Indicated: 10,48,35
